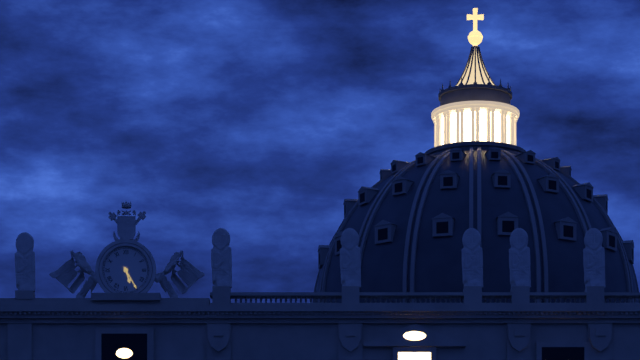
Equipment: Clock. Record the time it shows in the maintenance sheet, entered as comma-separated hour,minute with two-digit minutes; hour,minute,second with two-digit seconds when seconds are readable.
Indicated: 5,25
